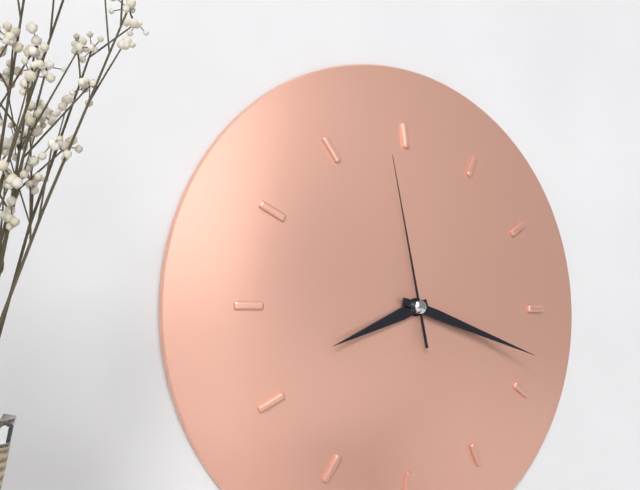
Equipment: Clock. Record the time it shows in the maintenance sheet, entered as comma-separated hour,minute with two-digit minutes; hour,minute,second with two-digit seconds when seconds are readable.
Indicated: 8,18,58
